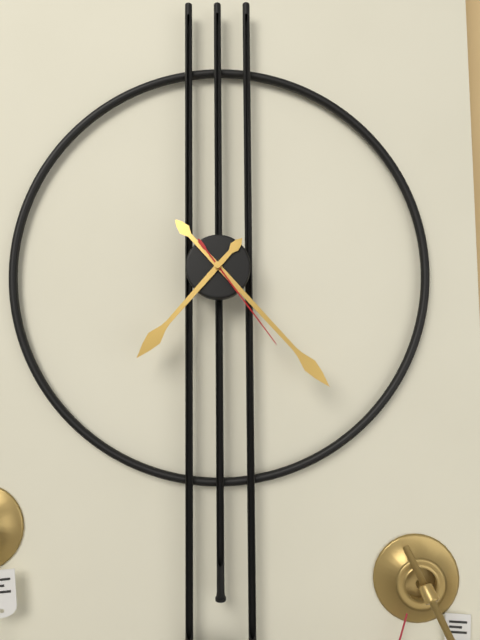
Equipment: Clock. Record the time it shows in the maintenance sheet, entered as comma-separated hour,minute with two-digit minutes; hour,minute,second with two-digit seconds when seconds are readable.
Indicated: 7,23,24
